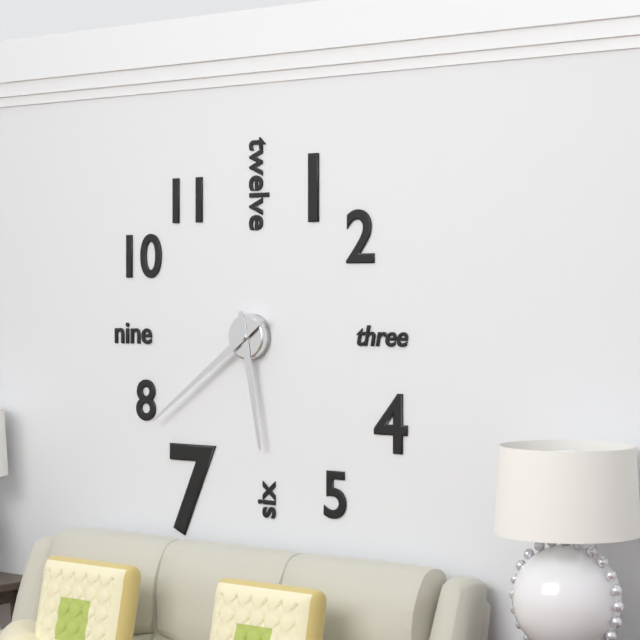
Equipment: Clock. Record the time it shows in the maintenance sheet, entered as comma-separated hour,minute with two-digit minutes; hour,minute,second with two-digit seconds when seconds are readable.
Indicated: 5,39
